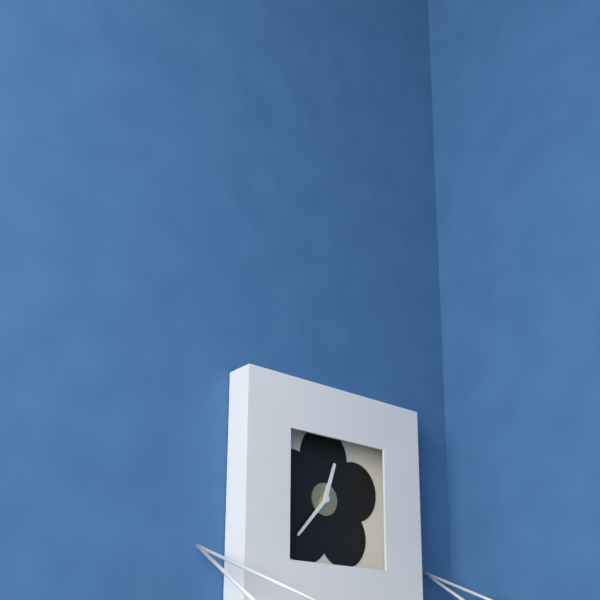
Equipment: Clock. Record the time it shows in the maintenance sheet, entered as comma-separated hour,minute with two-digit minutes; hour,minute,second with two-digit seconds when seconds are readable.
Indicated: 12,37
